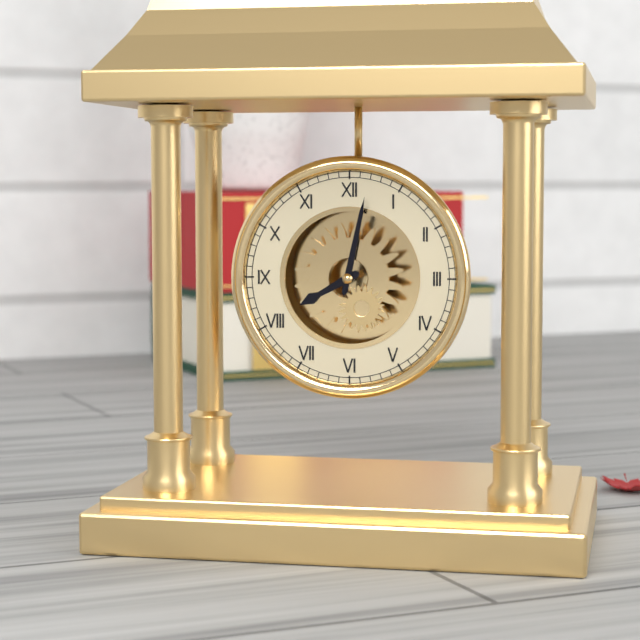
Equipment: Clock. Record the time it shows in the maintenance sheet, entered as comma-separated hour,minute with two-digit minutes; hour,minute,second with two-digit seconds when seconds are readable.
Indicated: 8,02
